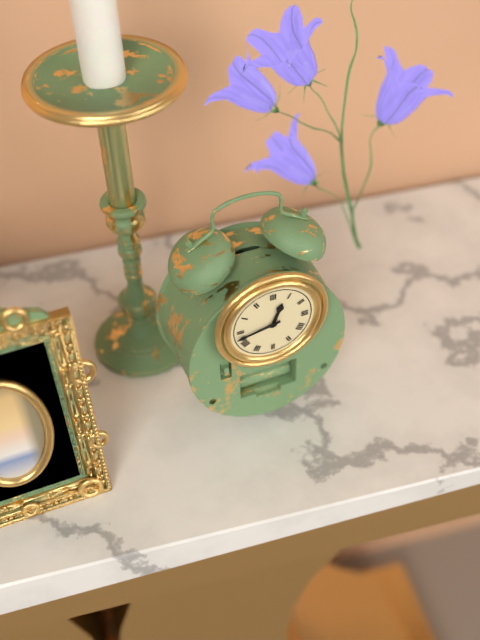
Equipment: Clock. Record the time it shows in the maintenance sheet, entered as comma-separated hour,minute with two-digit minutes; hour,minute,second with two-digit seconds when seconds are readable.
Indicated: 12,43
